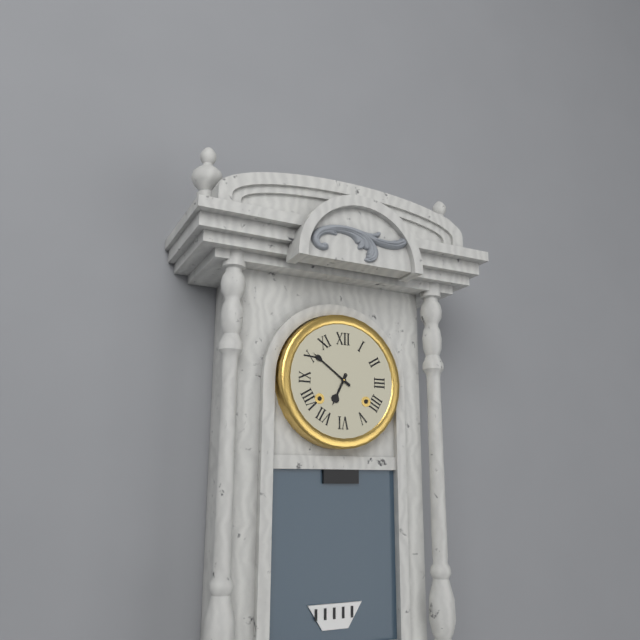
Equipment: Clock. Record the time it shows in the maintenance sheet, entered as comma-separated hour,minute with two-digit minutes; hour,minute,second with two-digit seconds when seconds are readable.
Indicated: 6,51
